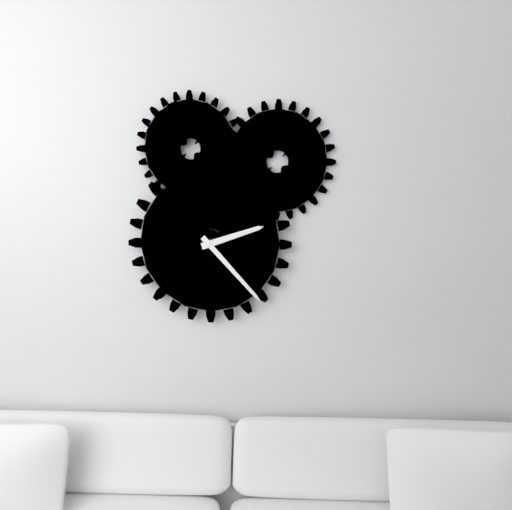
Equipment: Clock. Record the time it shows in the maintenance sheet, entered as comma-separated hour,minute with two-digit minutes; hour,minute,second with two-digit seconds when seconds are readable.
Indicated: 2,23
